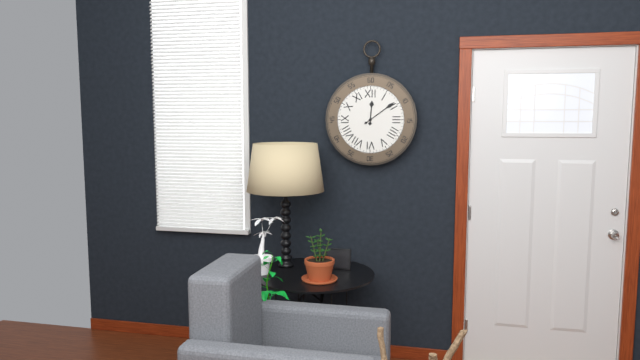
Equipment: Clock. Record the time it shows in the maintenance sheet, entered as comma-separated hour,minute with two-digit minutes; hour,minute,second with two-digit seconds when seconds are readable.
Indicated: 12,09
